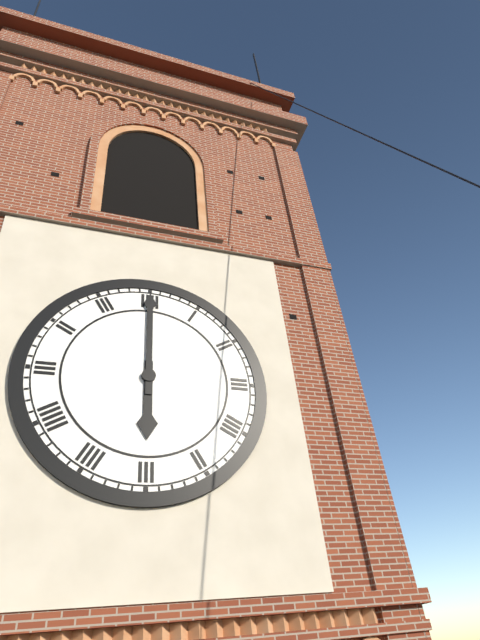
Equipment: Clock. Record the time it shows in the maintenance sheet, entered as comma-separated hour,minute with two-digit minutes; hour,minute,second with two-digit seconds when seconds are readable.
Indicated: 6,00
